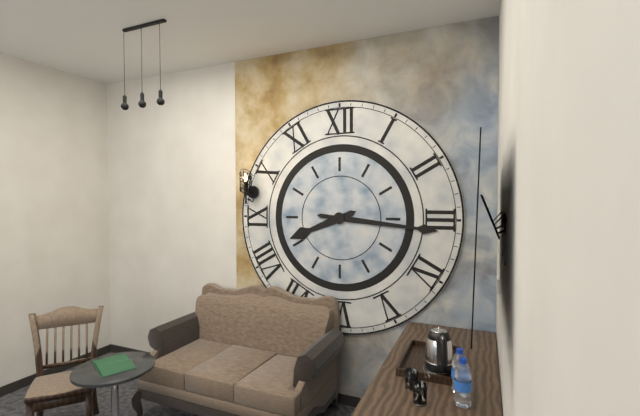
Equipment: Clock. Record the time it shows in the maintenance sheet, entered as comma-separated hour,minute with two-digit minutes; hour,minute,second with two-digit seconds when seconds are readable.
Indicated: 8,16
